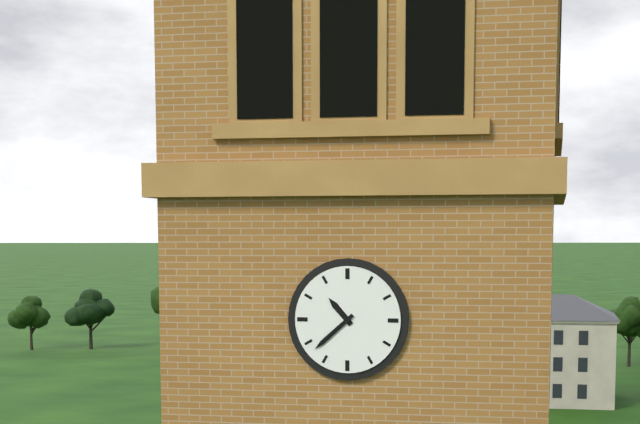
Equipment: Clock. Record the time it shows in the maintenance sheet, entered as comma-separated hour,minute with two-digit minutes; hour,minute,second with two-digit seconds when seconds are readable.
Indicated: 10,38
